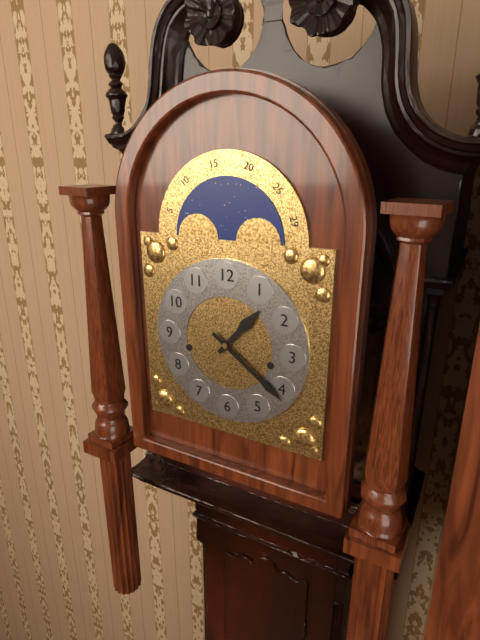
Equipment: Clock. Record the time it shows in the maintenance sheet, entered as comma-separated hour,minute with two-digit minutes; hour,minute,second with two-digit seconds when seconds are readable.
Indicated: 1,21
